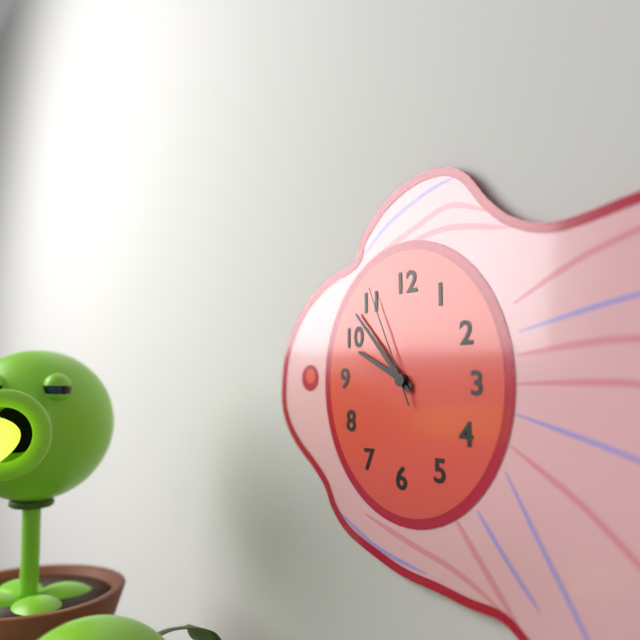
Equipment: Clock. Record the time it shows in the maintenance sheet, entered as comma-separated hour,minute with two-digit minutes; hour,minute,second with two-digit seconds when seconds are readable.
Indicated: 9,53,56
